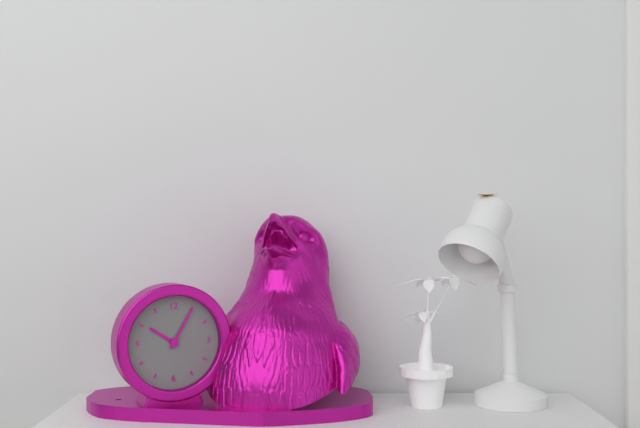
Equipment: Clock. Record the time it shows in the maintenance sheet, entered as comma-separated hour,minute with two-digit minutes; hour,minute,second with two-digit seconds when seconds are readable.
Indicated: 10,05
